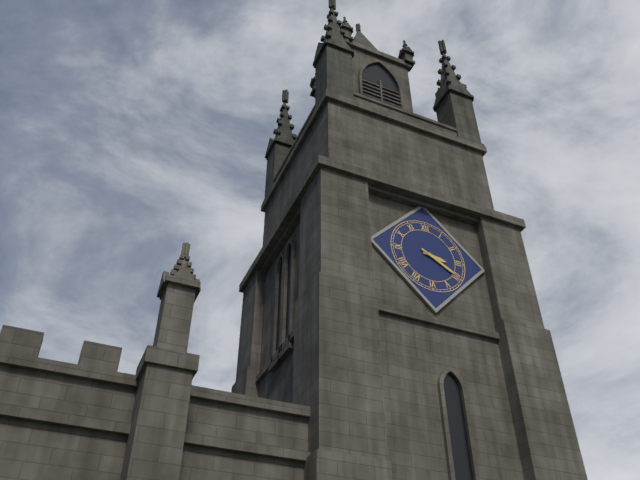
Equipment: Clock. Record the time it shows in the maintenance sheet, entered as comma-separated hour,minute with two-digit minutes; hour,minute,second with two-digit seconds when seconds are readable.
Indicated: 3,20
